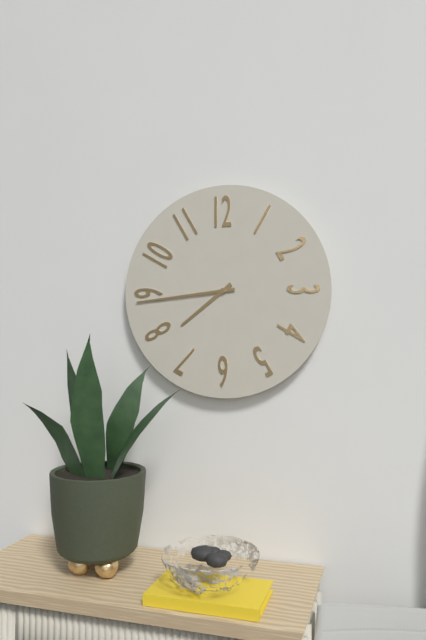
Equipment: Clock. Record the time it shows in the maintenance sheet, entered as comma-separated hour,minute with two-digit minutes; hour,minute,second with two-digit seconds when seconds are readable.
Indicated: 7,44
